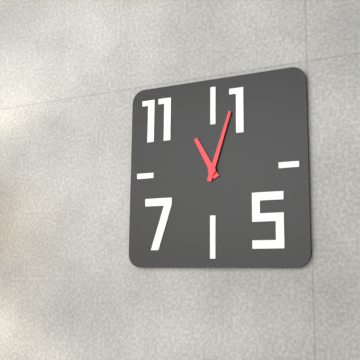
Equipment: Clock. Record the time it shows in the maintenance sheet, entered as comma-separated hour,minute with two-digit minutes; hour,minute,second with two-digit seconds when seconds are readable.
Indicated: 11,03
